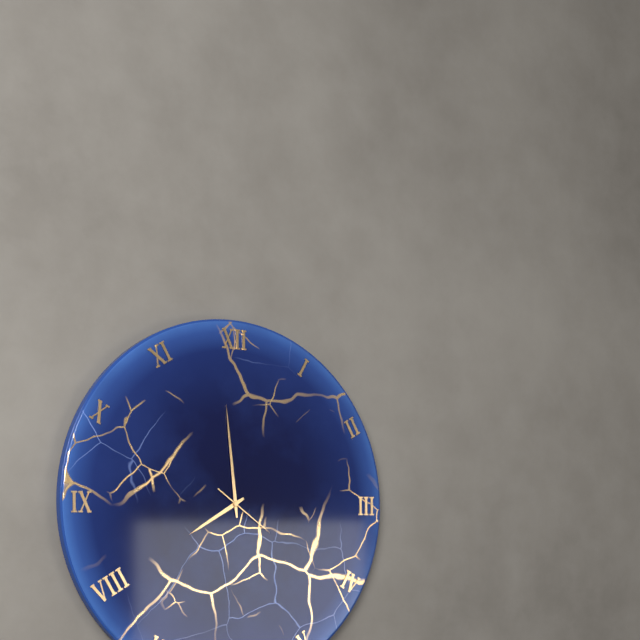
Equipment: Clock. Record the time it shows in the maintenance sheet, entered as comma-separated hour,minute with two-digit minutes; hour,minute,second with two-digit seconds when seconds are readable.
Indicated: 7,59,21
